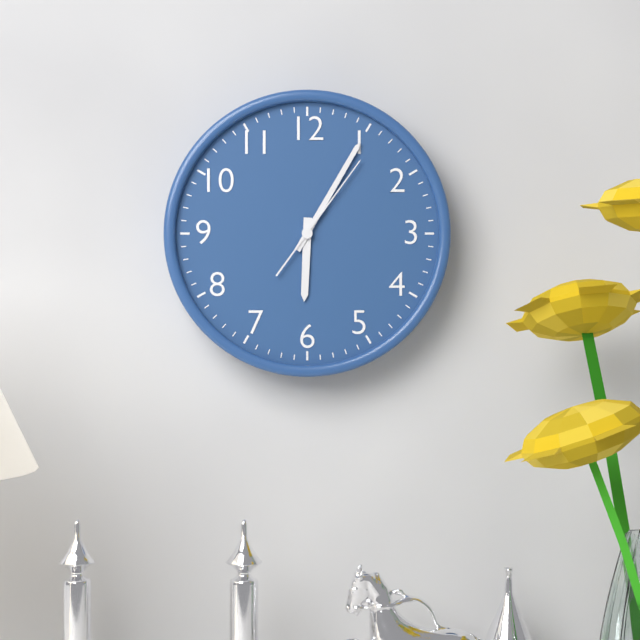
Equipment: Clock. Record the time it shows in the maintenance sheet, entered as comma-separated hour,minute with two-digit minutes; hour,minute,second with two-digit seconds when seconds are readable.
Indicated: 6,05,06
